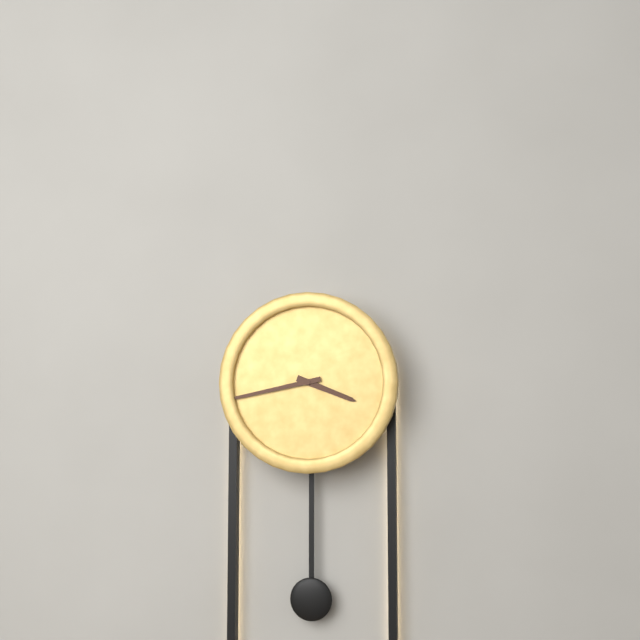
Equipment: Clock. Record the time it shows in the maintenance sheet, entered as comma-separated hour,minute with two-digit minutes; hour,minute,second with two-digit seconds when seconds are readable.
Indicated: 3,43
